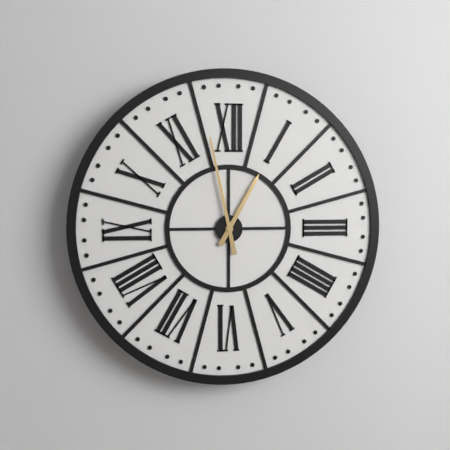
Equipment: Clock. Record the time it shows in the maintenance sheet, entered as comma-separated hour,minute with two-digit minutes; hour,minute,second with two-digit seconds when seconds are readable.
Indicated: 12,58
